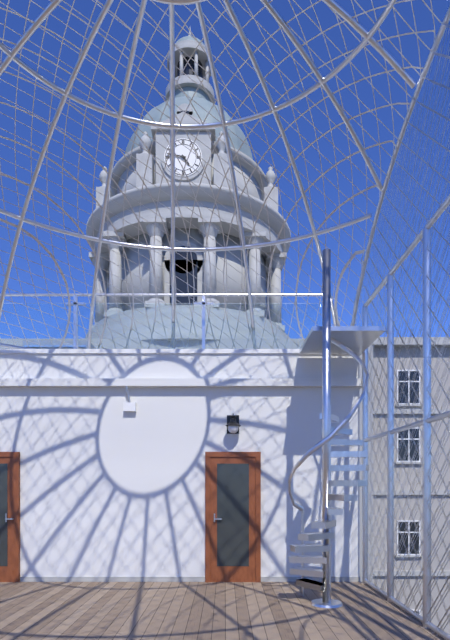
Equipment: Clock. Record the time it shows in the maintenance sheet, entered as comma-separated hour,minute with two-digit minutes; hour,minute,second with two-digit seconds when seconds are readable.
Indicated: 4,47
